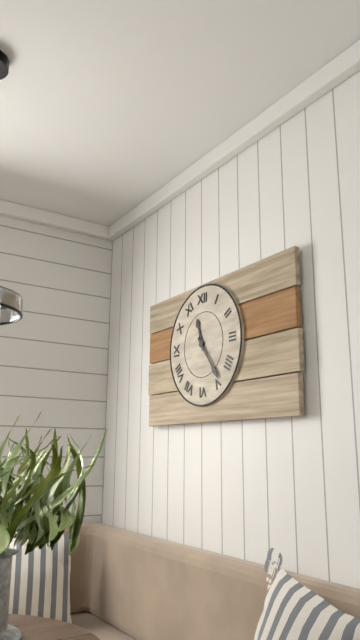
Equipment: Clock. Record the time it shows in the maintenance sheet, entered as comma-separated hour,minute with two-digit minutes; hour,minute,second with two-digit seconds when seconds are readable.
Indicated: 11,24
